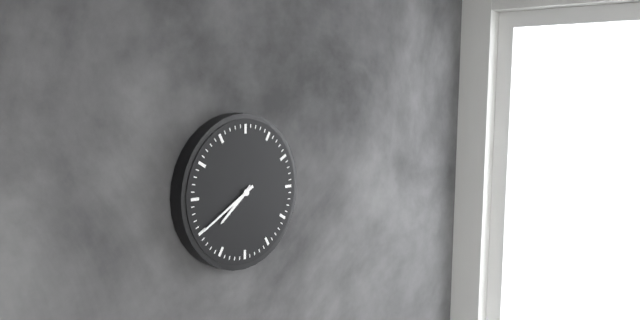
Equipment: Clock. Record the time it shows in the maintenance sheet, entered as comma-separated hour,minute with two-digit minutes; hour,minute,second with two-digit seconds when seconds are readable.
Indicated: 7,40
